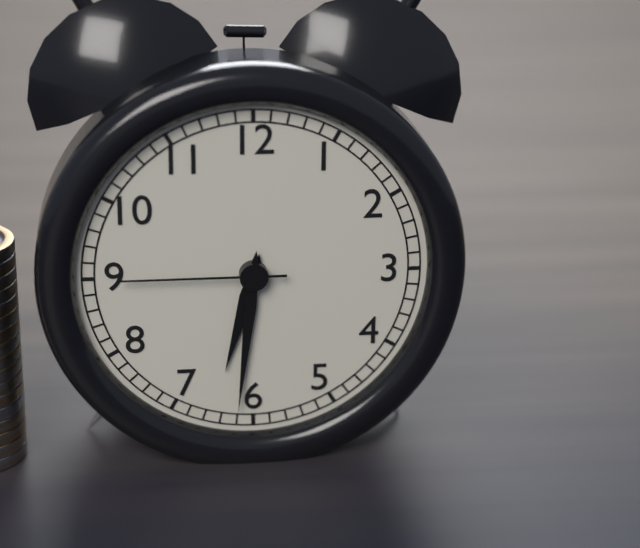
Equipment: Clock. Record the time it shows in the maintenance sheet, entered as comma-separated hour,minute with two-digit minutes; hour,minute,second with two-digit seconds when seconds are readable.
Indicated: 6,31,45
